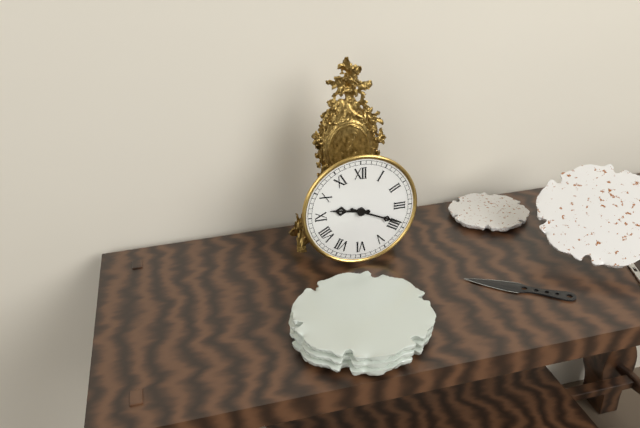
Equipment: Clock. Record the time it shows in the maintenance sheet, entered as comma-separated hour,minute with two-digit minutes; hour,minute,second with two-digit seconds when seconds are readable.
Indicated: 9,19
